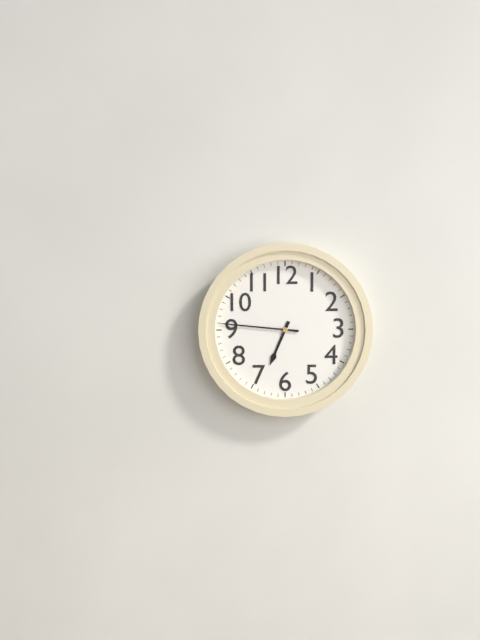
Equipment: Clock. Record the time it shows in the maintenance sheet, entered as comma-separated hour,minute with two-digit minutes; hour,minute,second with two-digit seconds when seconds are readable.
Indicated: 6,46
